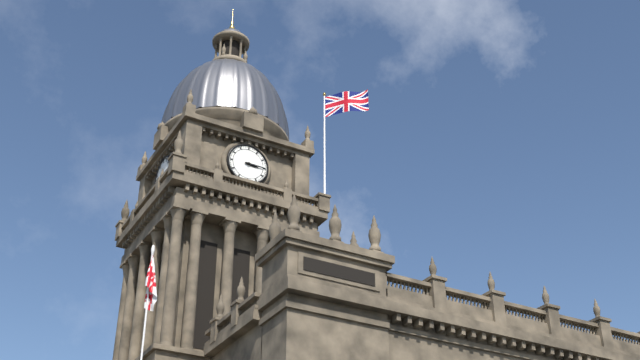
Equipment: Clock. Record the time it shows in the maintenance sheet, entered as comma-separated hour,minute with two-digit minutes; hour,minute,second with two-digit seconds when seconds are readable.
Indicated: 3,15
